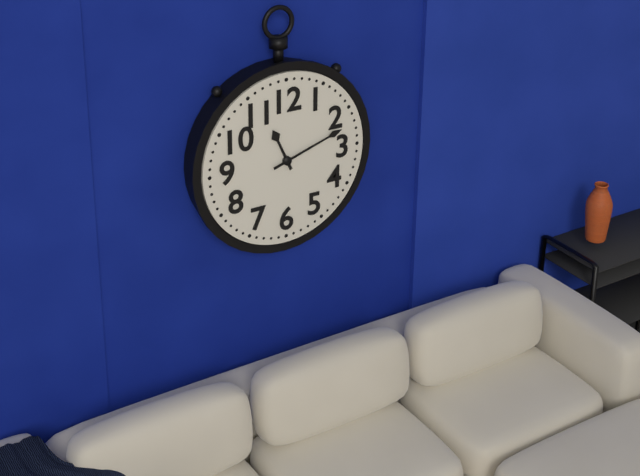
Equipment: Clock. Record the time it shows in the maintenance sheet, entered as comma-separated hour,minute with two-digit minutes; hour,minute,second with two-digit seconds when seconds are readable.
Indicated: 11,12
